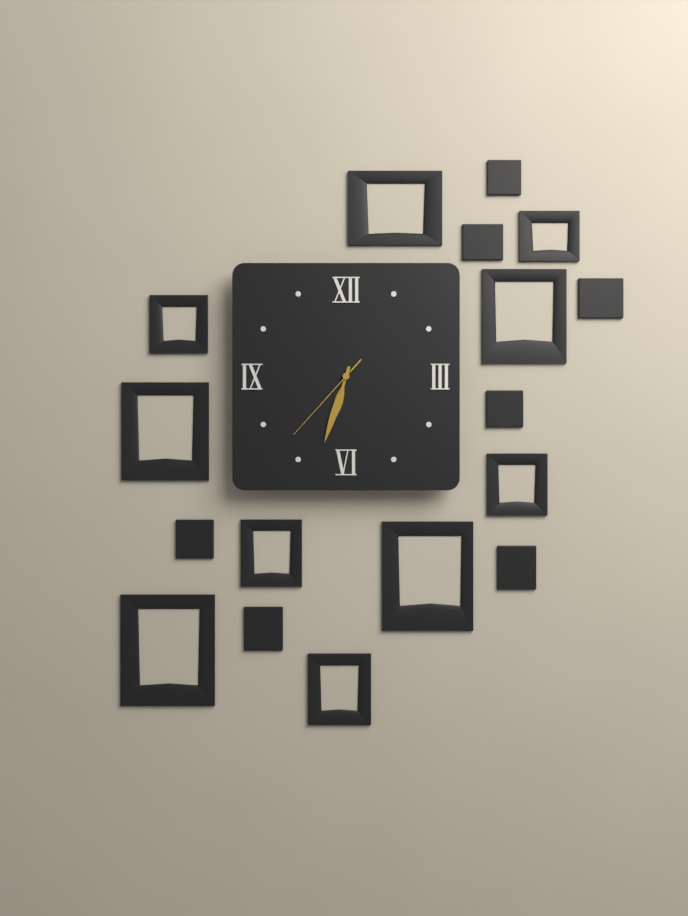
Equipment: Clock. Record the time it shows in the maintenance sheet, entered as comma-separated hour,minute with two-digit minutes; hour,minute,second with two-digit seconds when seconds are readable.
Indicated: 6,33,37
